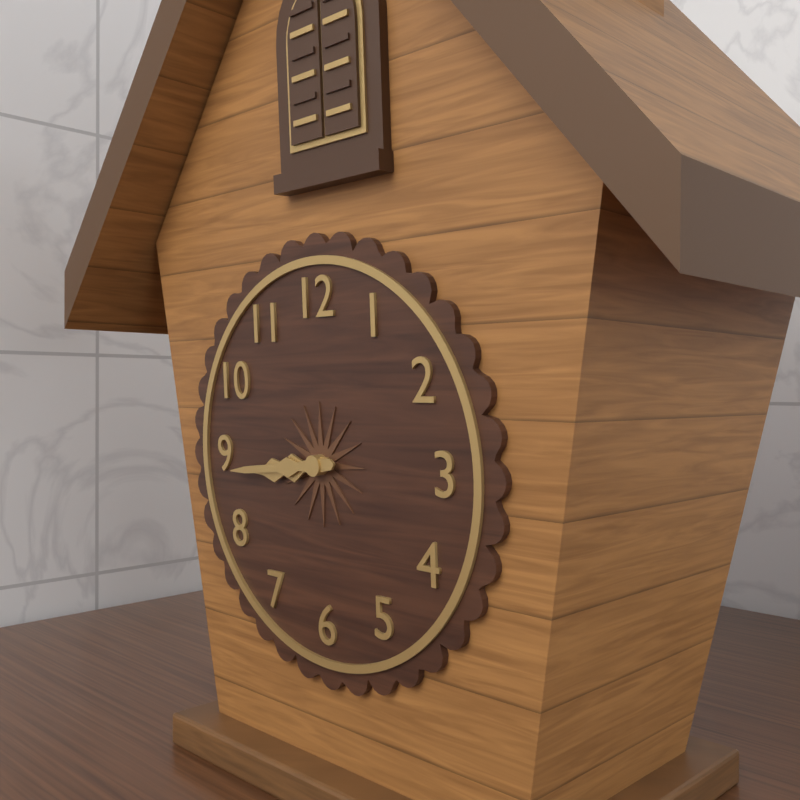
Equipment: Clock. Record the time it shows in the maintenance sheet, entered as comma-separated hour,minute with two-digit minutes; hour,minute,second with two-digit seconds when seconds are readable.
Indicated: 8,44
